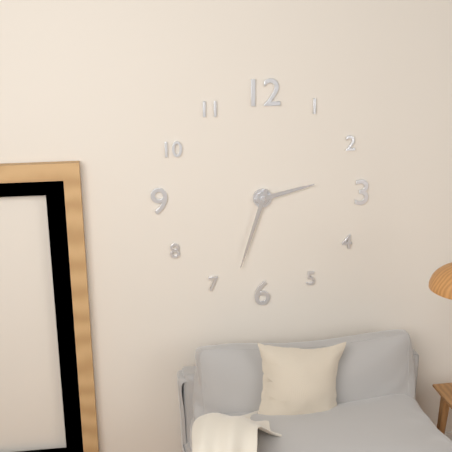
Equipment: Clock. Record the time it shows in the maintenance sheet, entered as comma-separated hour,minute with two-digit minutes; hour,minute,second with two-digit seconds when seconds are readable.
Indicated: 2,33
